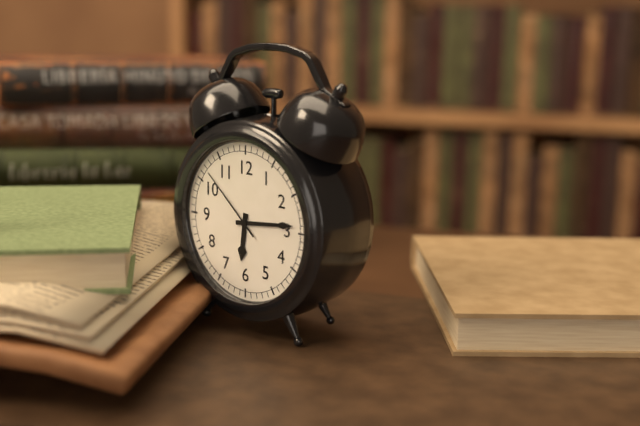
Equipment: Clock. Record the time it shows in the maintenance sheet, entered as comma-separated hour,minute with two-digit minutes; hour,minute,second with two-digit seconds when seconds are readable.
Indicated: 6,14,52
